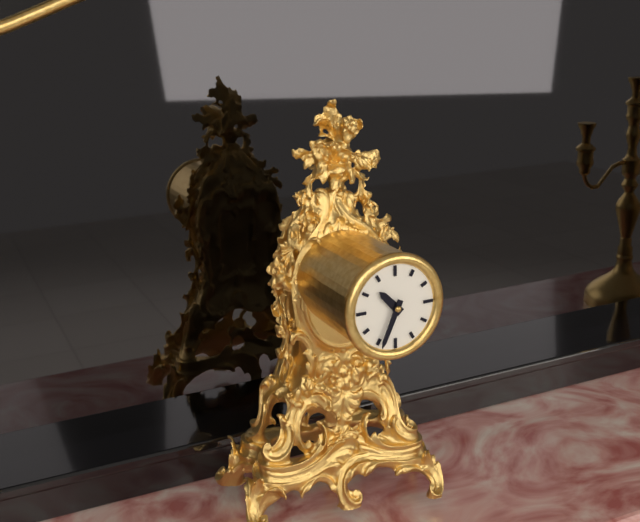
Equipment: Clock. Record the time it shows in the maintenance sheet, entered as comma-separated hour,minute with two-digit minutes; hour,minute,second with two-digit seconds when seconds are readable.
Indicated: 10,34
